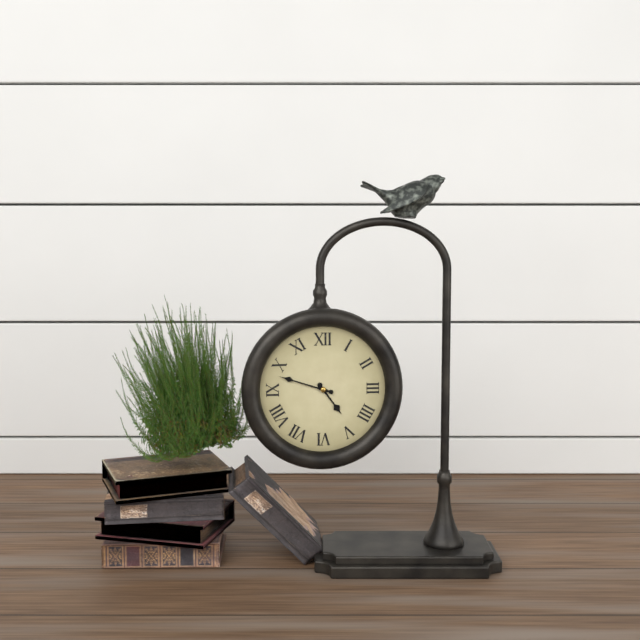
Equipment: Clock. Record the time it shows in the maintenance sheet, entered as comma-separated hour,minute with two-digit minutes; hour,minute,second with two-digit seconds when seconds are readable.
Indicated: 4,48
